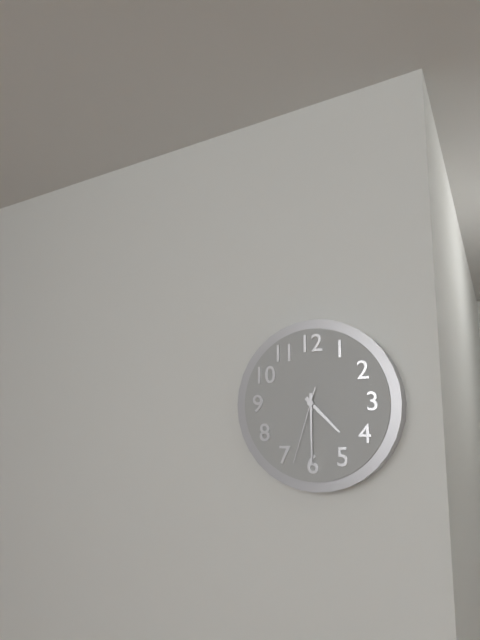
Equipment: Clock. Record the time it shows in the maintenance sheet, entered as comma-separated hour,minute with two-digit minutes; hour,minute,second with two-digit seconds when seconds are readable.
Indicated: 4,30,33
